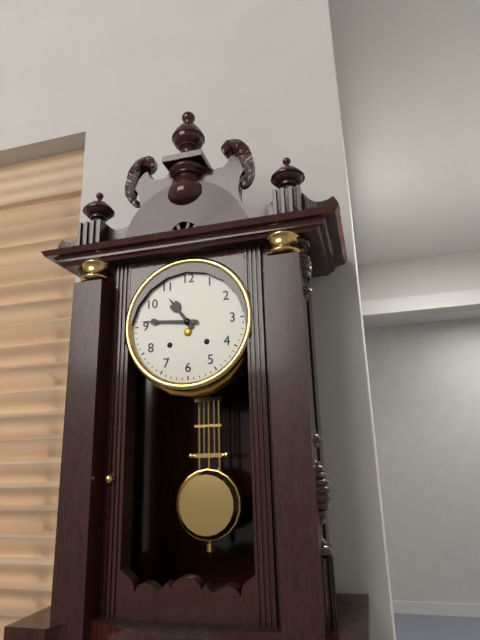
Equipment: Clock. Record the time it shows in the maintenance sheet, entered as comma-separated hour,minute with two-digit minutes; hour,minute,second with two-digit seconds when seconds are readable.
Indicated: 10,46
